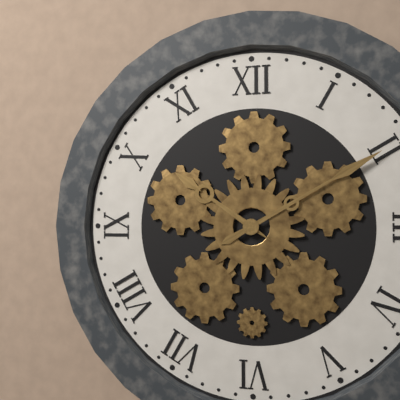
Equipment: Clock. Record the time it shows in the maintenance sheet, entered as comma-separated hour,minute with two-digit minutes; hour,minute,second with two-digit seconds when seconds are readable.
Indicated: 10,10
